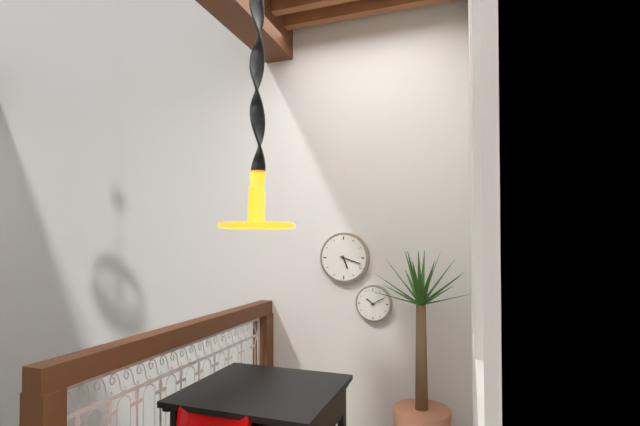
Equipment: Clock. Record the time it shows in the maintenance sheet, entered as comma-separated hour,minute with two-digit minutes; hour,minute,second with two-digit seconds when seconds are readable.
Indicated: 5,18
